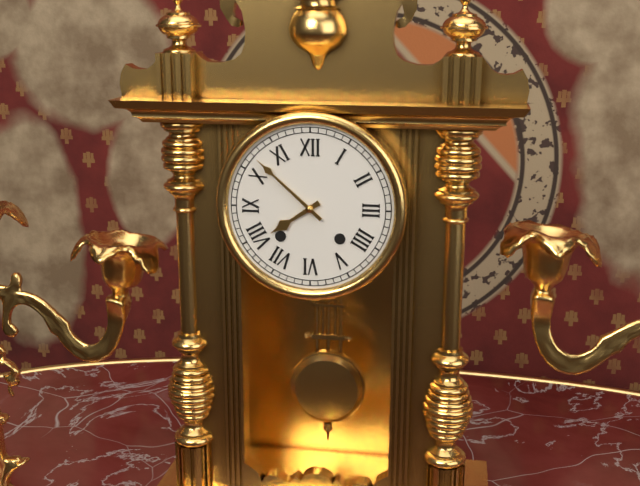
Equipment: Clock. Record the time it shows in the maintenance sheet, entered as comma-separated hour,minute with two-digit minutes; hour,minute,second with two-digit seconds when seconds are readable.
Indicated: 7,52
